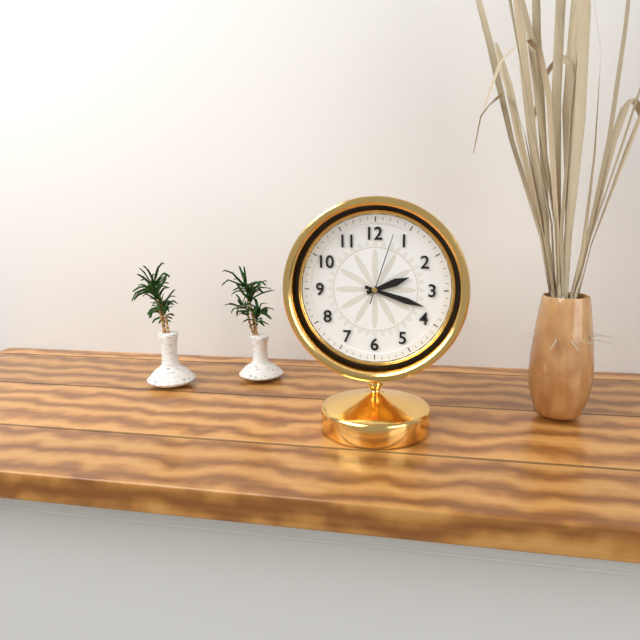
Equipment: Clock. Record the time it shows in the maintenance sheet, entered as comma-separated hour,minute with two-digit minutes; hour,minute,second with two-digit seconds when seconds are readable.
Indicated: 2,18,03
